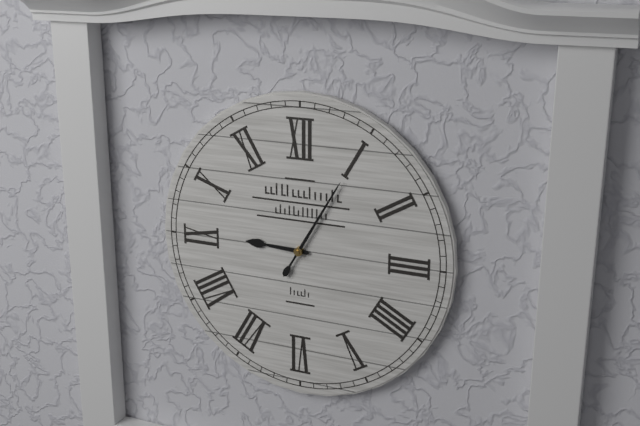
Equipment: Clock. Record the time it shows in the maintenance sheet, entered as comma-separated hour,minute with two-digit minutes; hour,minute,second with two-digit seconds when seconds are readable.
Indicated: 9,05
